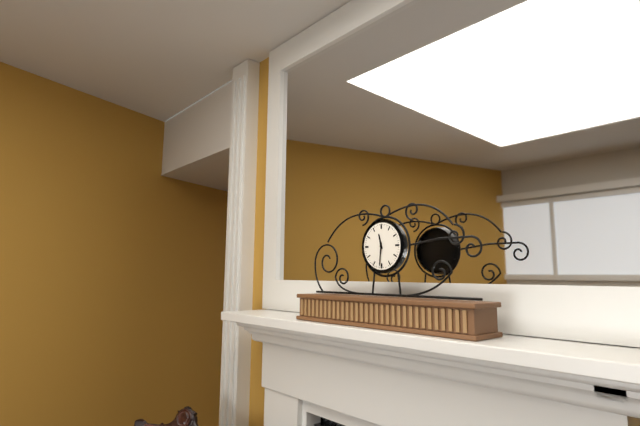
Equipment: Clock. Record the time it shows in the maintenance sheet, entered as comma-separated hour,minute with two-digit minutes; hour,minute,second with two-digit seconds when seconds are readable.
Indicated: 11,31
